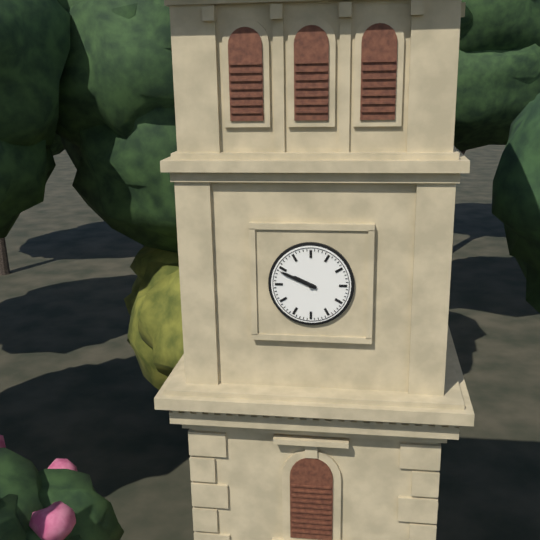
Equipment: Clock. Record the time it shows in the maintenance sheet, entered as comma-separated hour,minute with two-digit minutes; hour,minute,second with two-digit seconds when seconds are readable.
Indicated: 9,49
